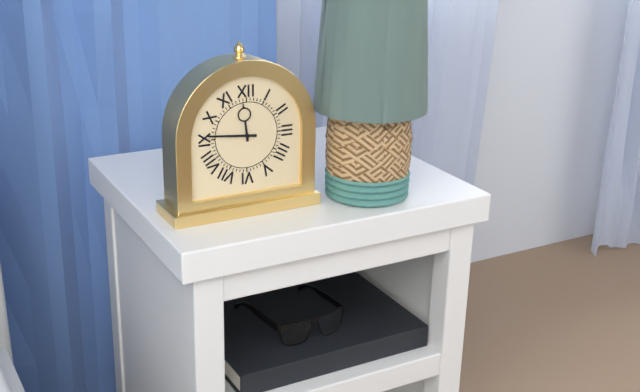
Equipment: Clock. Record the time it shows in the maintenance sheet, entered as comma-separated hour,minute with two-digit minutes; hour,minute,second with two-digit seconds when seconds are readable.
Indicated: 11,46
